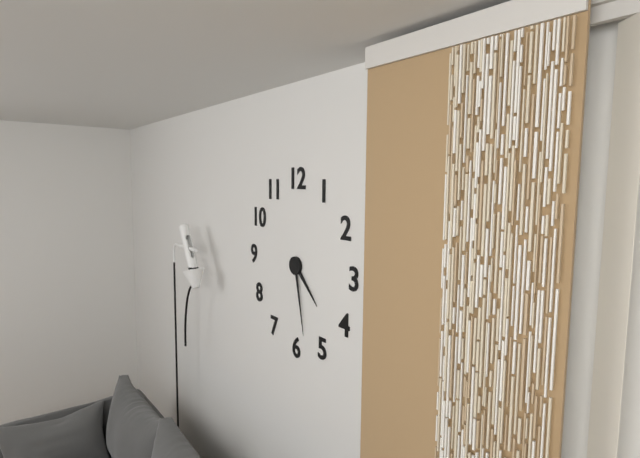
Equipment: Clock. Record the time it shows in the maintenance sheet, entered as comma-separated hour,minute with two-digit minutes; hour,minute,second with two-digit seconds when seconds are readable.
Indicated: 4,28
